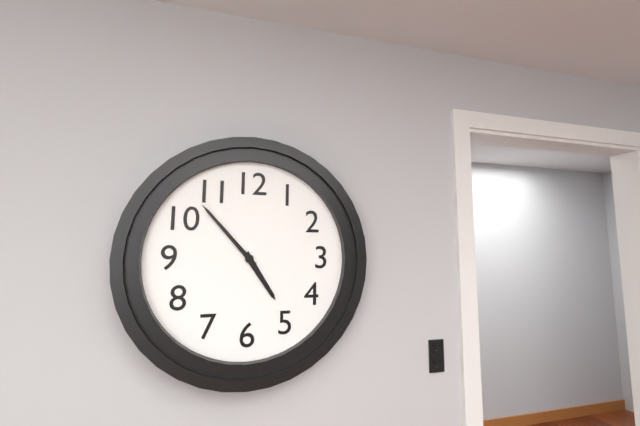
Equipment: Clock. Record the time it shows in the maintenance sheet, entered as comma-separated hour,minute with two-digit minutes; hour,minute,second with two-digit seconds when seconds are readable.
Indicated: 4,53
